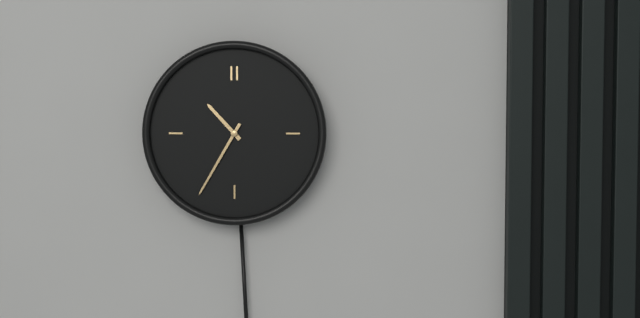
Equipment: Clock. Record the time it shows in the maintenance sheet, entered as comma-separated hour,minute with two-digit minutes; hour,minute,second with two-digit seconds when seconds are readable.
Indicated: 10,35
